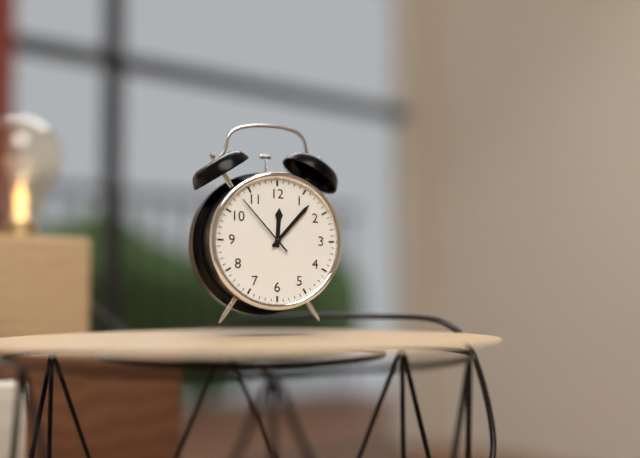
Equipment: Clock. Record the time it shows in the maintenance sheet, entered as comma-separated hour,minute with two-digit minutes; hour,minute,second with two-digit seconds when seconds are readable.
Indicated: 12,07,53
